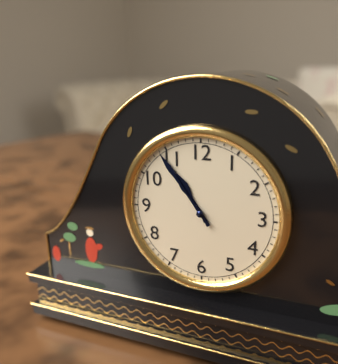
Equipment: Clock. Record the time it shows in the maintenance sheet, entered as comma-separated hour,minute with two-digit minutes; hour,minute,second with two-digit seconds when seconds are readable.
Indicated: 10,54
